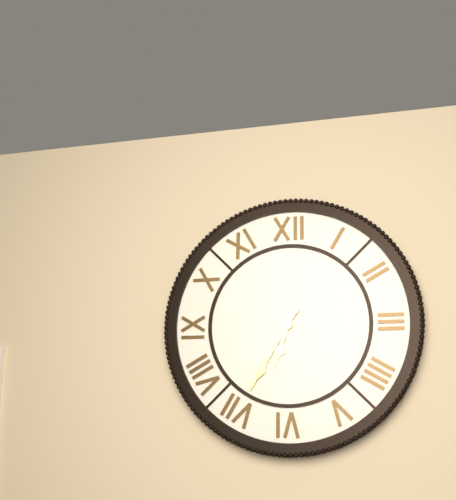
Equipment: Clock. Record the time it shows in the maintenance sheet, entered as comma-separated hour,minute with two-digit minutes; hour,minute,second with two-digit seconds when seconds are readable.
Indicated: 6,35
